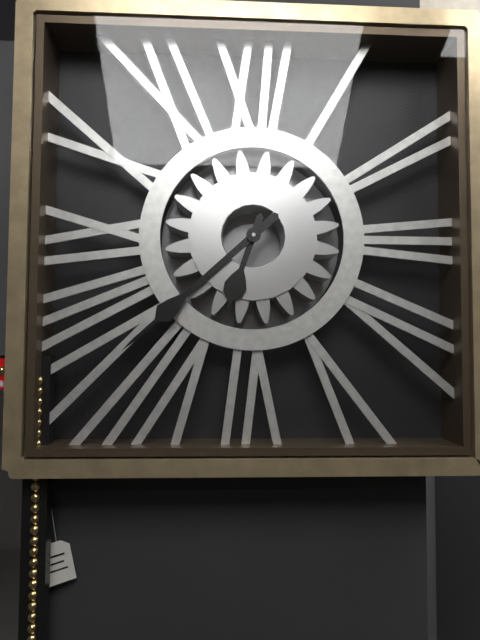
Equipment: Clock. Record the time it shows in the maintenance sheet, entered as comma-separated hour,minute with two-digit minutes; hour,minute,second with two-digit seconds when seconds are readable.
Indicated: 6,38
